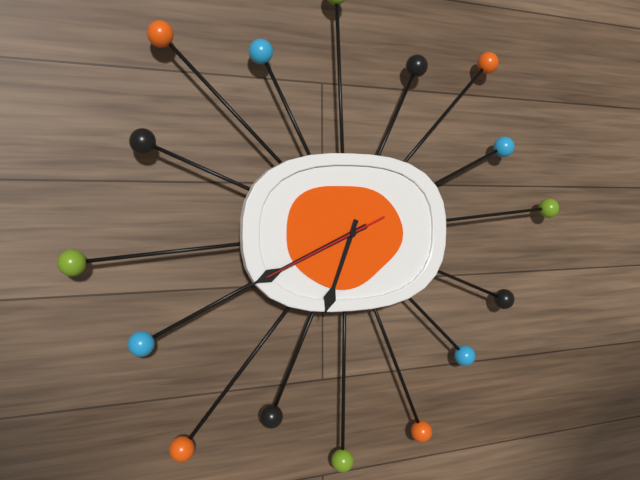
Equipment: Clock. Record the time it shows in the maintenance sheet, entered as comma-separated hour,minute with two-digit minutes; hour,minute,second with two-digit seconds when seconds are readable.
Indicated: 6,41,41
